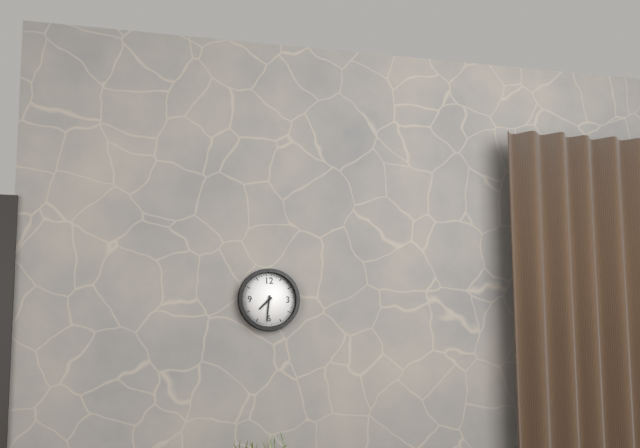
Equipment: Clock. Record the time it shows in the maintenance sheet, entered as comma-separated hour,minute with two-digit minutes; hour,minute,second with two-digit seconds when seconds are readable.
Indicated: 7,31
